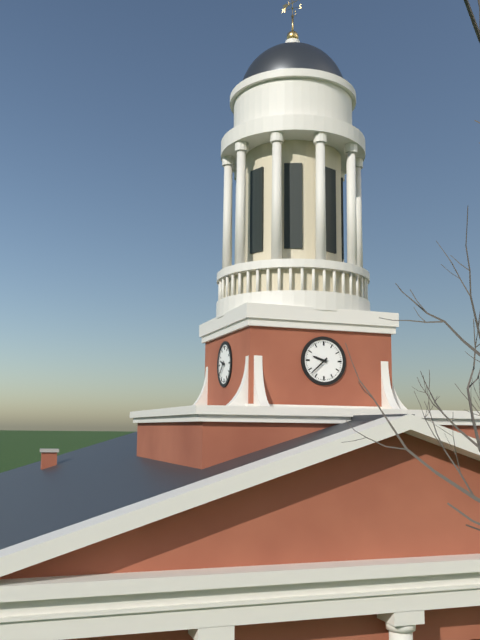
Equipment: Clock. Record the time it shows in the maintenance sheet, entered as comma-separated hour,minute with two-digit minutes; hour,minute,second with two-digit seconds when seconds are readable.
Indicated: 9,38
